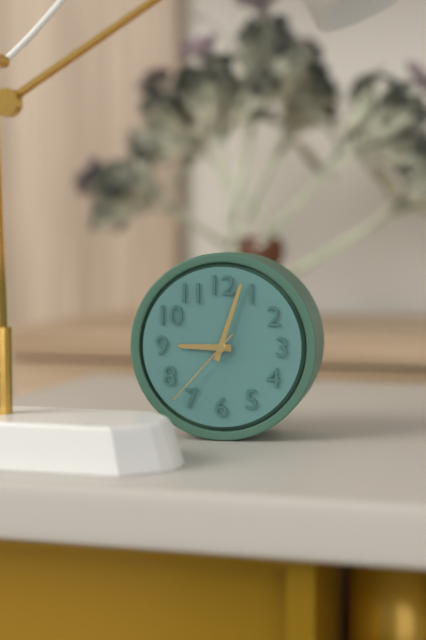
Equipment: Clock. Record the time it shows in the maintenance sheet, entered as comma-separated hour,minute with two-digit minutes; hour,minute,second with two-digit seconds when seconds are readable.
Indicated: 9,03,37
